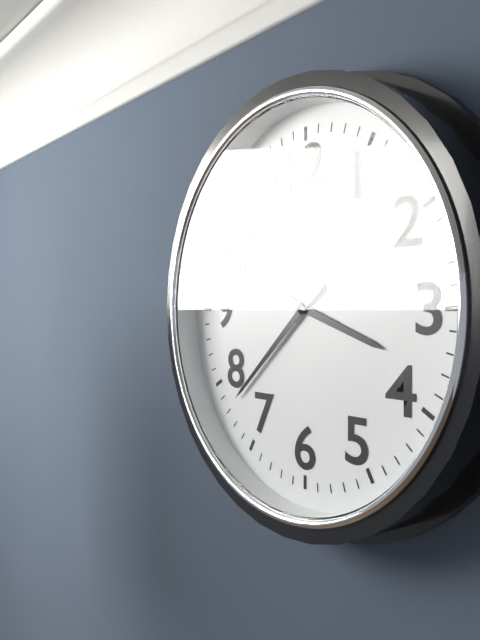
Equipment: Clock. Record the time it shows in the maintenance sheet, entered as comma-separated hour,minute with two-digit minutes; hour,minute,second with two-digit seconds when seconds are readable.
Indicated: 3,38
